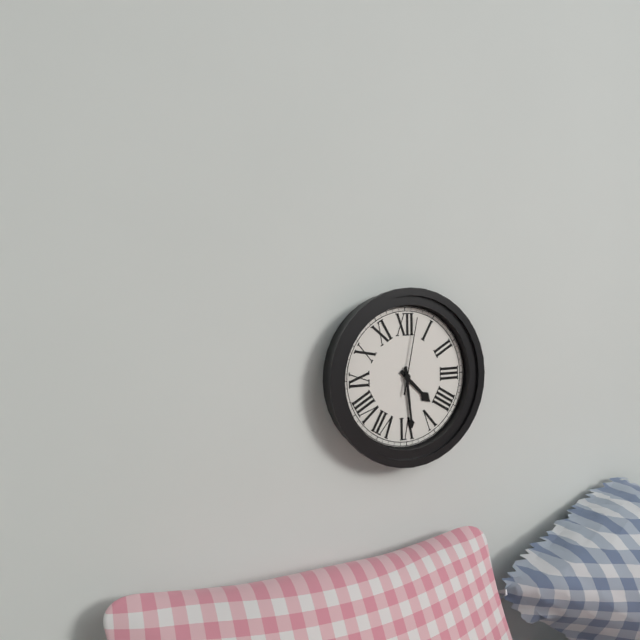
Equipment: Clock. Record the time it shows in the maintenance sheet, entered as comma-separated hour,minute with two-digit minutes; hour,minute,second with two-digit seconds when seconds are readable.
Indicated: 4,29,02
